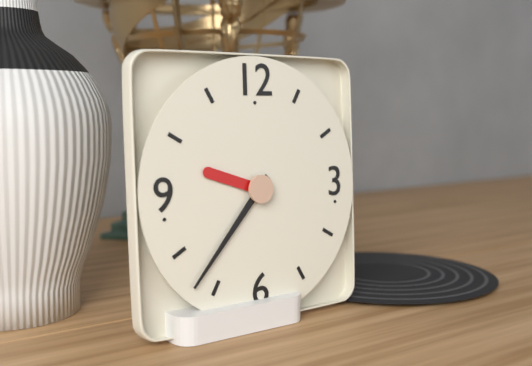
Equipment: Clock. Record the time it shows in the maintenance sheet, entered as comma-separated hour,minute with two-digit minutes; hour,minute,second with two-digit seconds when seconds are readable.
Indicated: 9,37
